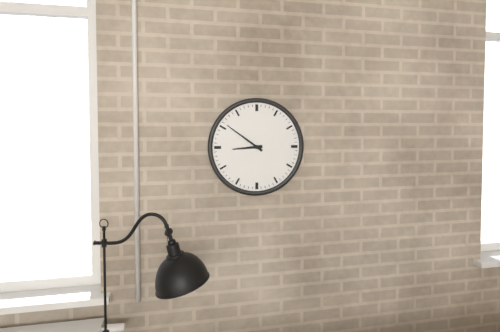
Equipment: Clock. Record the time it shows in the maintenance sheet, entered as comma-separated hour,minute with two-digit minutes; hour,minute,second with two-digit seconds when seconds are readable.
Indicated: 8,51
